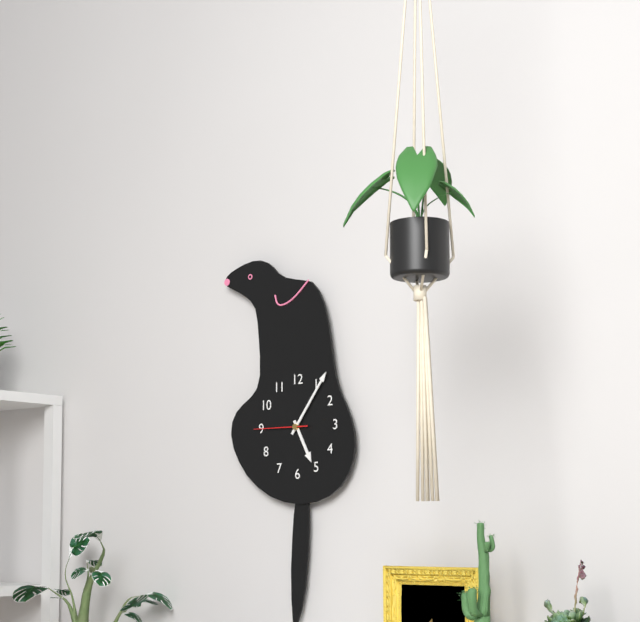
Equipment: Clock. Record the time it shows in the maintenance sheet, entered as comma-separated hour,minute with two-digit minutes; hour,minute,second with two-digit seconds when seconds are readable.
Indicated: 5,06,45
